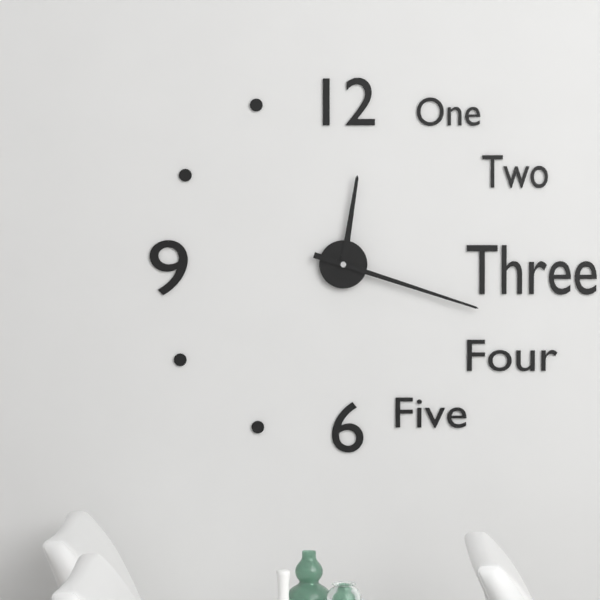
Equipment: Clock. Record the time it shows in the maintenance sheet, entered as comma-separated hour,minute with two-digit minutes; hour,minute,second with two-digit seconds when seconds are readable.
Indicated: 12,18
